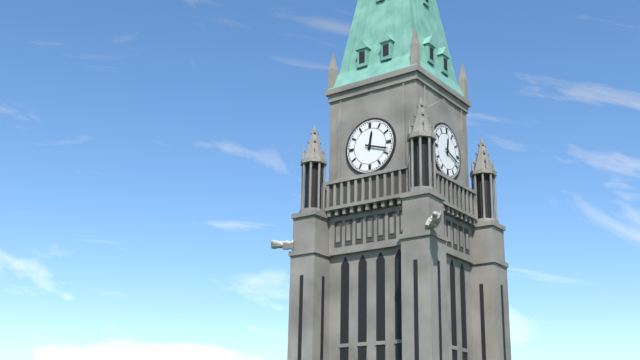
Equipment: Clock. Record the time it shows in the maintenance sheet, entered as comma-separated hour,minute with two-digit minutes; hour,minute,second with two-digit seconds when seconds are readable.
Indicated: 12,18
